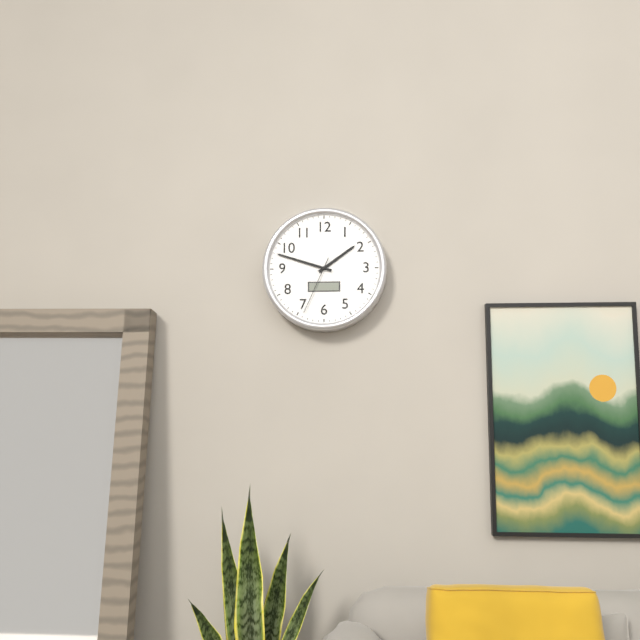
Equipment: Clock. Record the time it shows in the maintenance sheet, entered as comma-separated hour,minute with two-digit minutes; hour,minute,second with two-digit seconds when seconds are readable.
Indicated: 1,48,34
